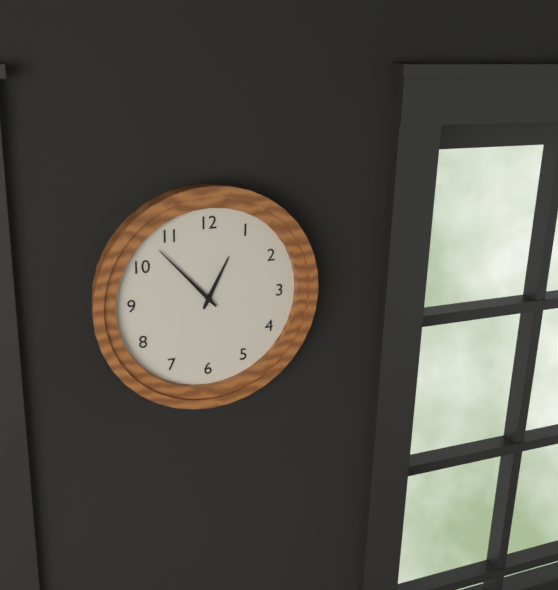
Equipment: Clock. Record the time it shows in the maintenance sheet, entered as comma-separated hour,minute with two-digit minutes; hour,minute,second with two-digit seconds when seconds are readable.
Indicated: 12,53
